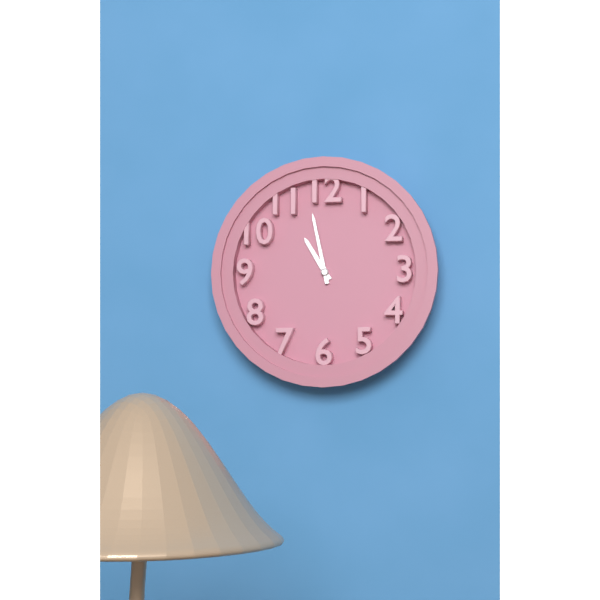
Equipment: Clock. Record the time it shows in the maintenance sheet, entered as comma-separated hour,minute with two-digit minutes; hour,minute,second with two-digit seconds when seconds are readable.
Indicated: 10,58
